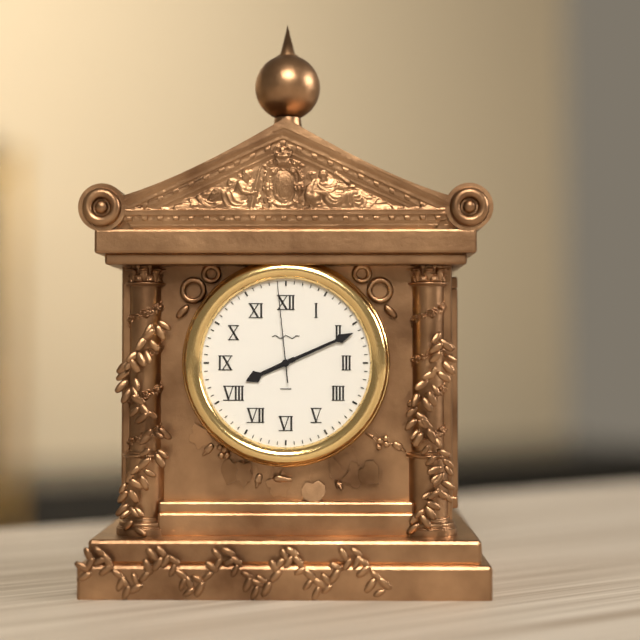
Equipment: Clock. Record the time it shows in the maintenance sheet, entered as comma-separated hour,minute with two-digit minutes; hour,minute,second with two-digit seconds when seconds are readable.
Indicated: 8,11,59
